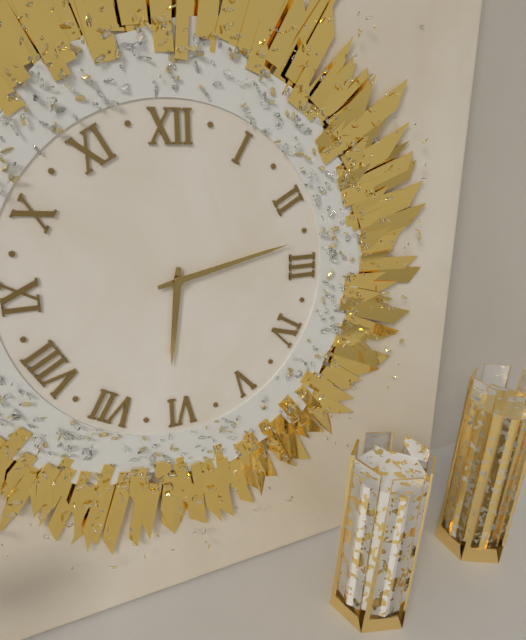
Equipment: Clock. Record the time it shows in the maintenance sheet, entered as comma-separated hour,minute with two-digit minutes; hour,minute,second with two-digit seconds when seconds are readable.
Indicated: 6,13
